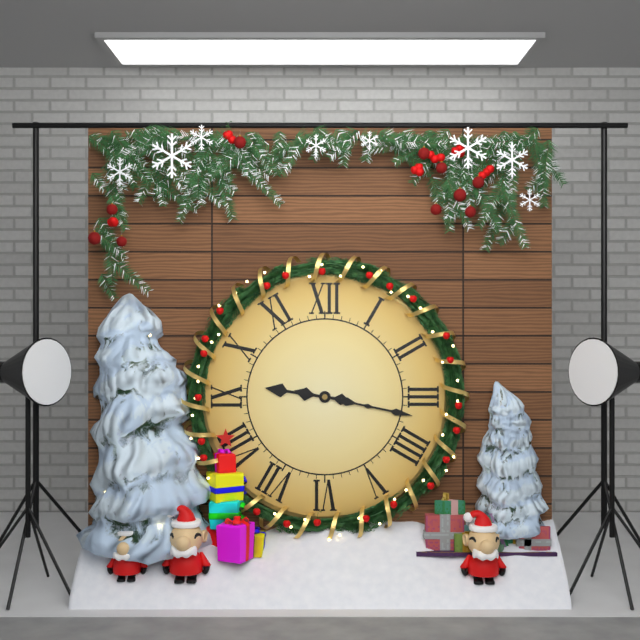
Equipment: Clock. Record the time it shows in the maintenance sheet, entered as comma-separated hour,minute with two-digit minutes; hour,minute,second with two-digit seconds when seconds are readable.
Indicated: 9,17
